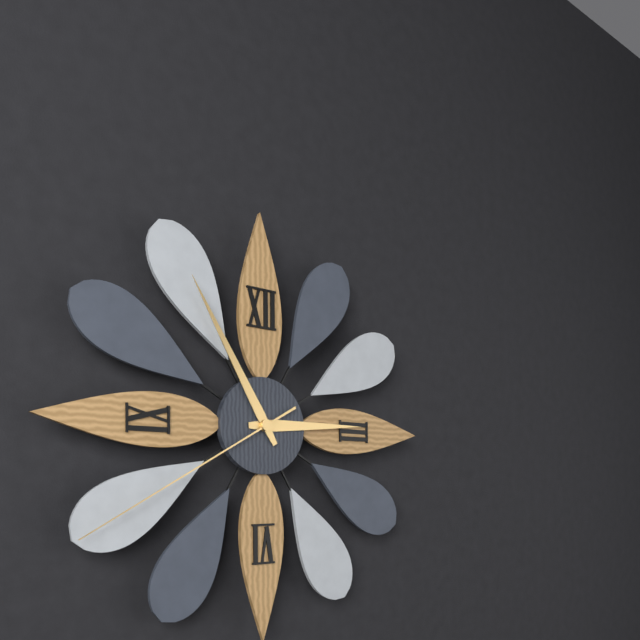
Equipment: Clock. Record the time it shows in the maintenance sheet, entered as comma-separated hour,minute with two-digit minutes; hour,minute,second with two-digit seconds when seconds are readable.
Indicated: 2,55,40
